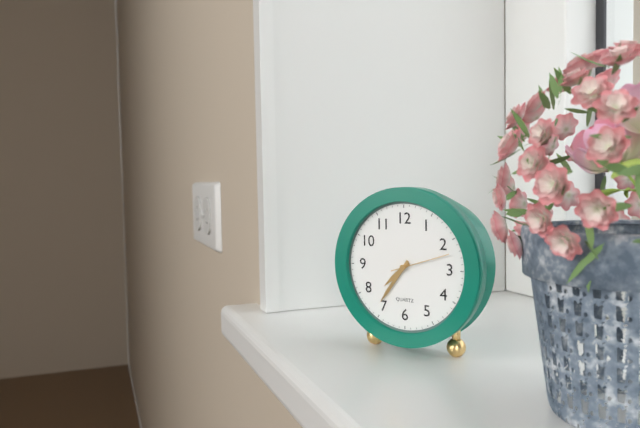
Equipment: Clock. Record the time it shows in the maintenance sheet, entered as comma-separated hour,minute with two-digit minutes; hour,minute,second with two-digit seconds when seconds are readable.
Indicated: 7,36,12
